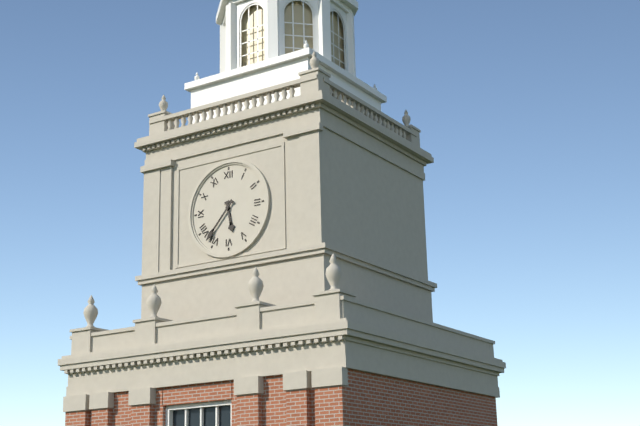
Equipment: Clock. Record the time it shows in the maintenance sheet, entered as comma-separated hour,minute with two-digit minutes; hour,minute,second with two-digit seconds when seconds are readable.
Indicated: 5,37
